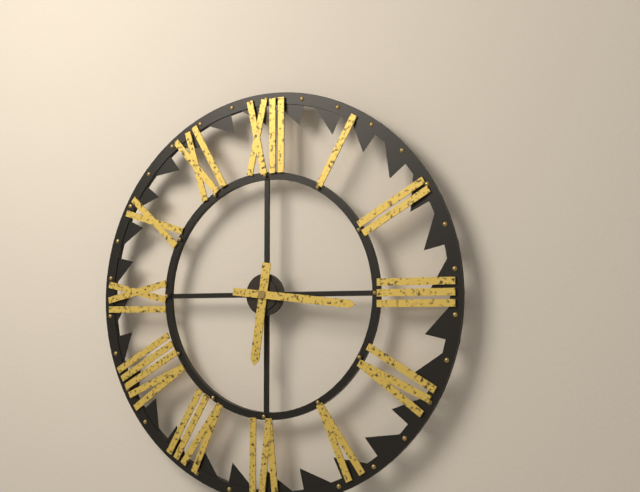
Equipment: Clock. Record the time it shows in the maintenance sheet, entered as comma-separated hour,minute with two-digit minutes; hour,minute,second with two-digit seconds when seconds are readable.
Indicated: 6,16
